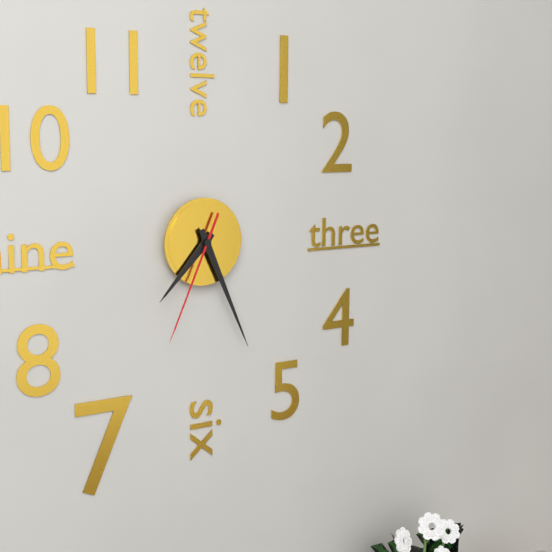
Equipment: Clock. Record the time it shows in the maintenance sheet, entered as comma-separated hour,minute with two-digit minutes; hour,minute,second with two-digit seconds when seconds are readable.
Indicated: 7,26,34
